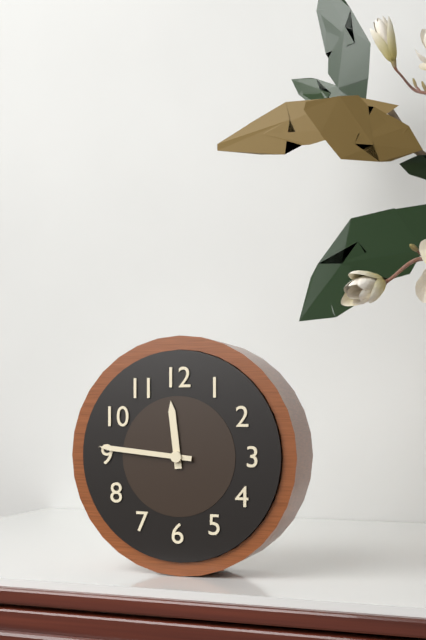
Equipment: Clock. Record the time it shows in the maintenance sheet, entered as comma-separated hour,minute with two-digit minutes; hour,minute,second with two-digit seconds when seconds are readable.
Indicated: 11,46
